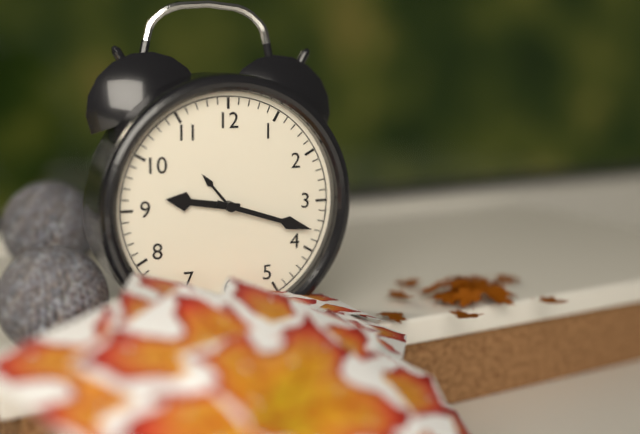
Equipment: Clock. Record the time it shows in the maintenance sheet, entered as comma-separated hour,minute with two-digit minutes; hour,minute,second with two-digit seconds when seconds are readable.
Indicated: 9,18
